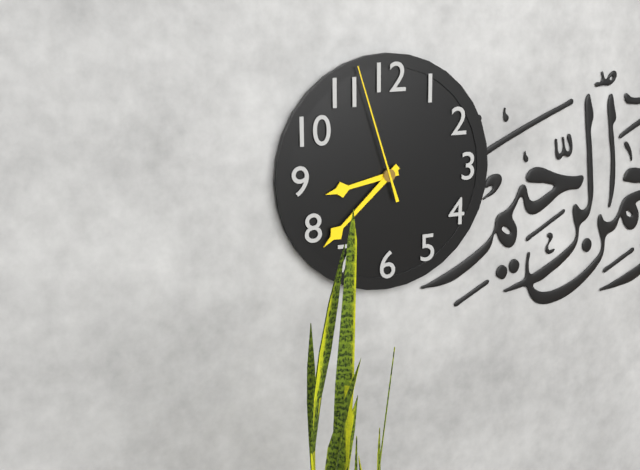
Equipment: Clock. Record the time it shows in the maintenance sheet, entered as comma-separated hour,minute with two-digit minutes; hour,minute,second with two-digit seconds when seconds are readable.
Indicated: 8,38,57
